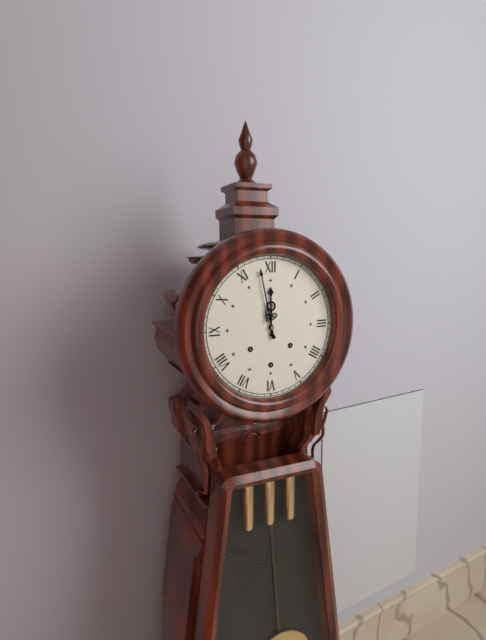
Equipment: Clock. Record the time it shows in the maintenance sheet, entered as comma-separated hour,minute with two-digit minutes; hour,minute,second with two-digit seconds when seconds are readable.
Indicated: 11,58
